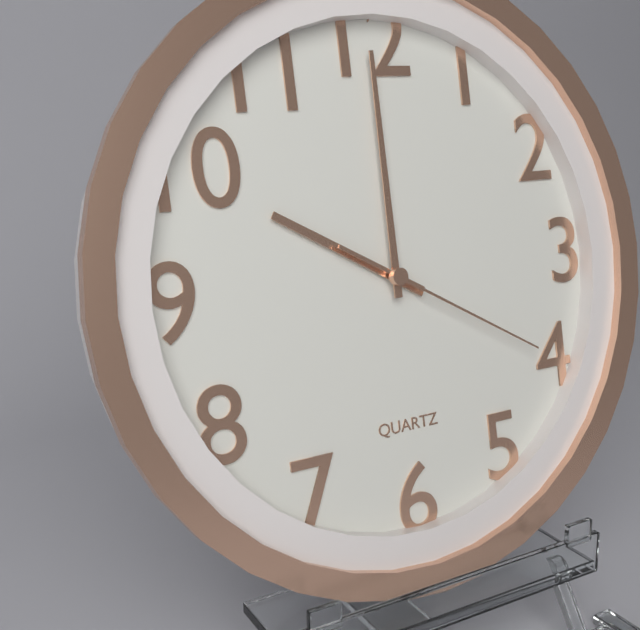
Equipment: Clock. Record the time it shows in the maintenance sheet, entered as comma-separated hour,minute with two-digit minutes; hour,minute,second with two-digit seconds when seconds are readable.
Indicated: 10,00,20
